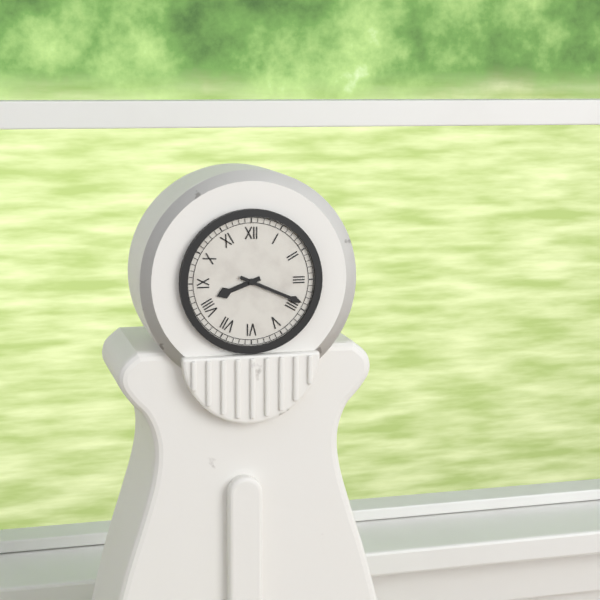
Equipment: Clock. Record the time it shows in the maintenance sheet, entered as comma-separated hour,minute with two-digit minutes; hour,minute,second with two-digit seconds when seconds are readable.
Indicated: 8,19
